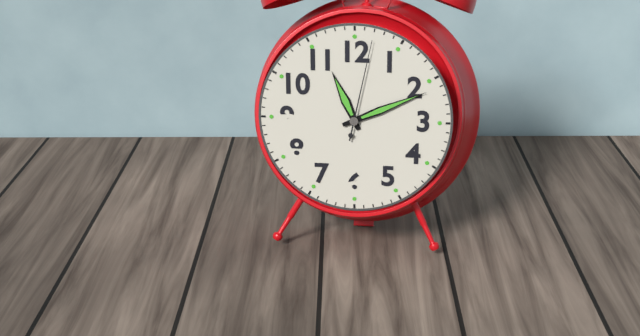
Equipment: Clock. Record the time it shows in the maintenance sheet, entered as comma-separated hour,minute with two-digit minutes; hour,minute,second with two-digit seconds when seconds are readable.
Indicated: 11,11,02
